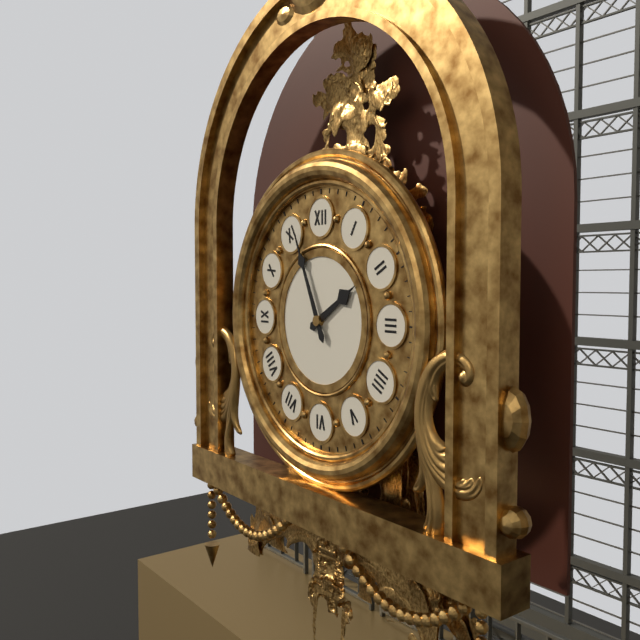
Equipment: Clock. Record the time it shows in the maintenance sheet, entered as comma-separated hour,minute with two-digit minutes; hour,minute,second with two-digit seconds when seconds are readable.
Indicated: 1,56
